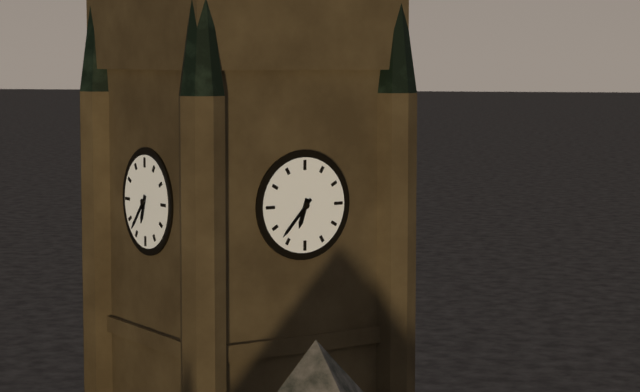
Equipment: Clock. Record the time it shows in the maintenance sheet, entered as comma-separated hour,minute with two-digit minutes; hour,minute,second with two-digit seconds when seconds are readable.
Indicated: 6,37
